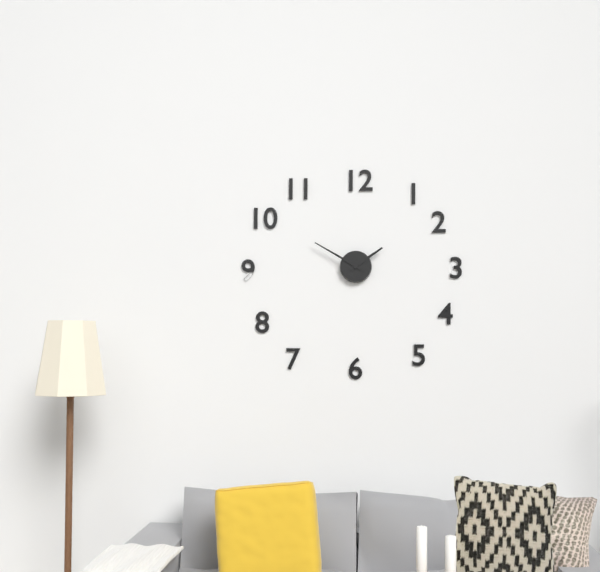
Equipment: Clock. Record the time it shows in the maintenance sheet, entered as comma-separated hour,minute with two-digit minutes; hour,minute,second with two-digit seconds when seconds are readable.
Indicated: 1,50
